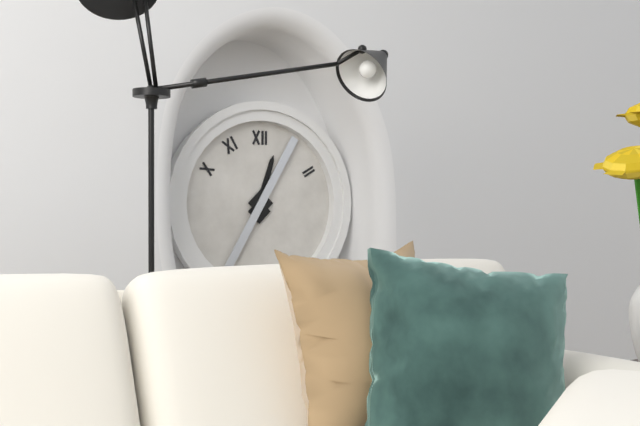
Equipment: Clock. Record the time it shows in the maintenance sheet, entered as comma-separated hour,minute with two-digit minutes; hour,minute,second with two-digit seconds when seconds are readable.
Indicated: 12,35
